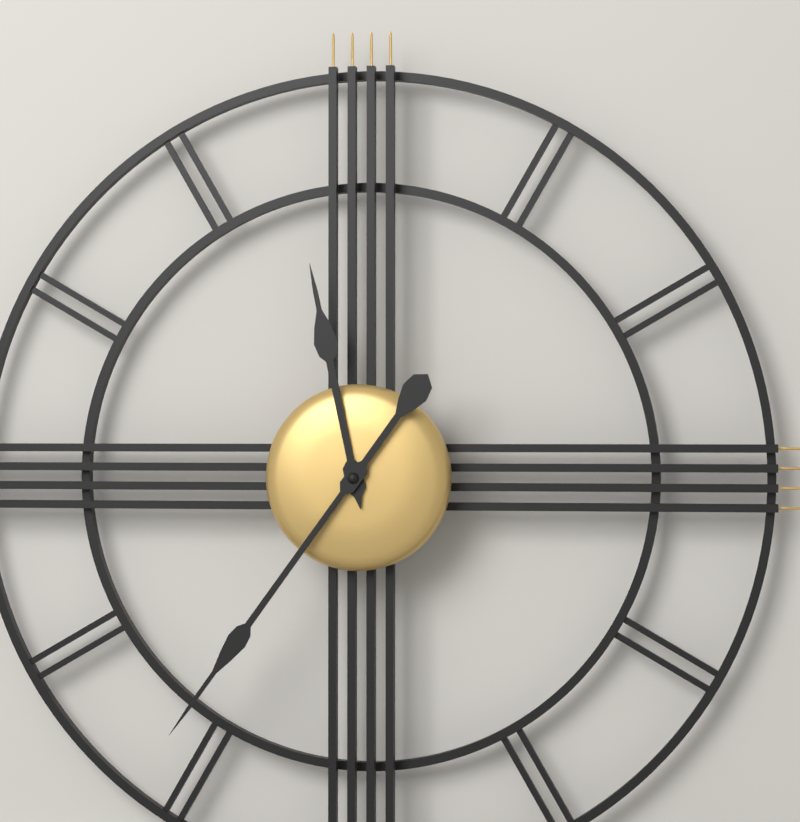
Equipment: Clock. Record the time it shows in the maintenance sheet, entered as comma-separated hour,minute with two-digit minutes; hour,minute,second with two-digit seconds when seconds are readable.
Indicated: 11,36
